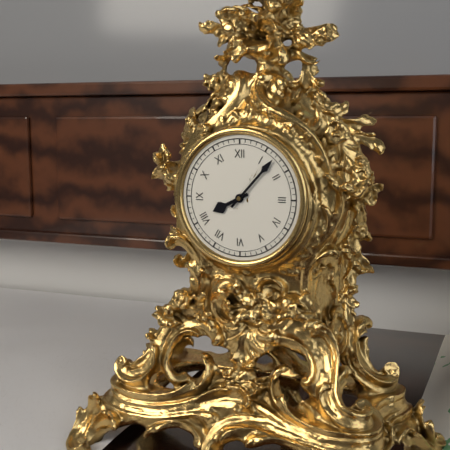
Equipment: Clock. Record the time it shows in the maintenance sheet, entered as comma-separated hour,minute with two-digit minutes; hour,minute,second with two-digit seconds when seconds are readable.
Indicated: 8,07
